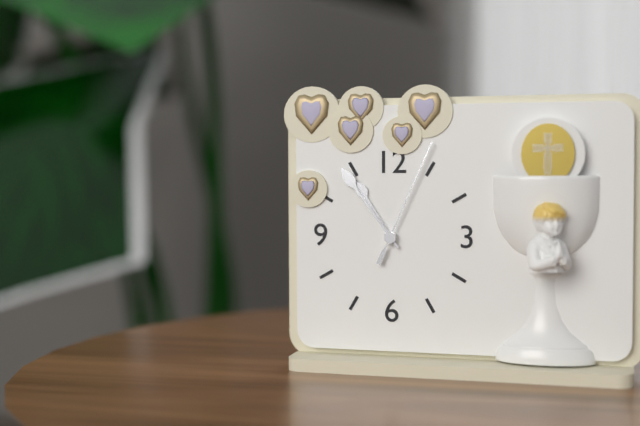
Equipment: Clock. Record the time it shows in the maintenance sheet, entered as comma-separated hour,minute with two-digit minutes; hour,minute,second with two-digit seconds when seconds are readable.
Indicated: 10,54,04
